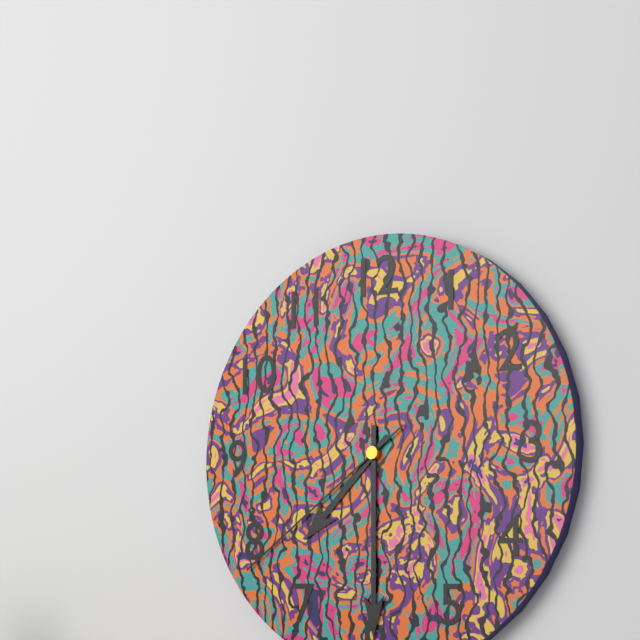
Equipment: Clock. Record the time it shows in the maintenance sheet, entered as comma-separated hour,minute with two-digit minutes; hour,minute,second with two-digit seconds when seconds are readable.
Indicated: 7,30,39
